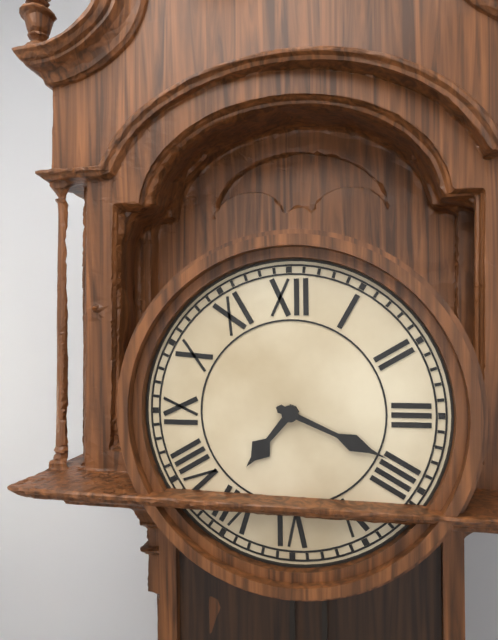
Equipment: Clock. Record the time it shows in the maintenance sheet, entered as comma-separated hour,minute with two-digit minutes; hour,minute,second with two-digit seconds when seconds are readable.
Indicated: 7,19
